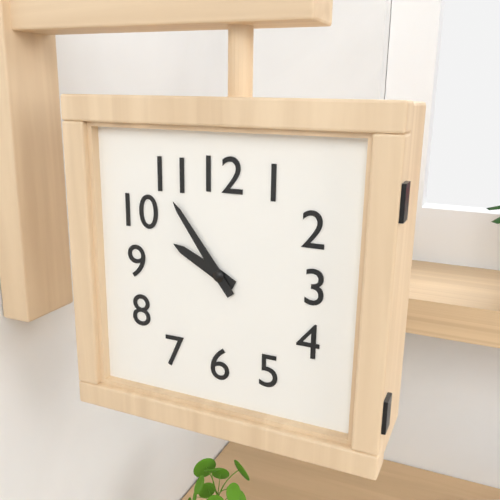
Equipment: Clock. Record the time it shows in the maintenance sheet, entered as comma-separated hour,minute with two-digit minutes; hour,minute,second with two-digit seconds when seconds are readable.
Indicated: 9,54
